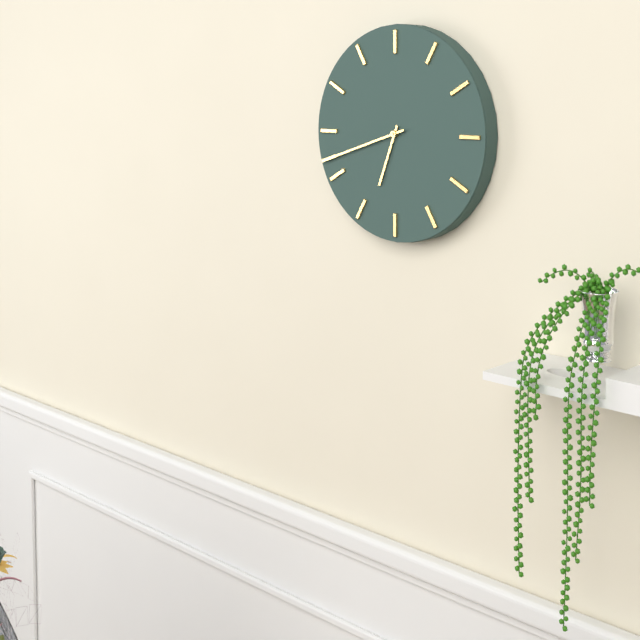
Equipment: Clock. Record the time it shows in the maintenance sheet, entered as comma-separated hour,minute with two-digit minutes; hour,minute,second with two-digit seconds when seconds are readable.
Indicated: 6,42
